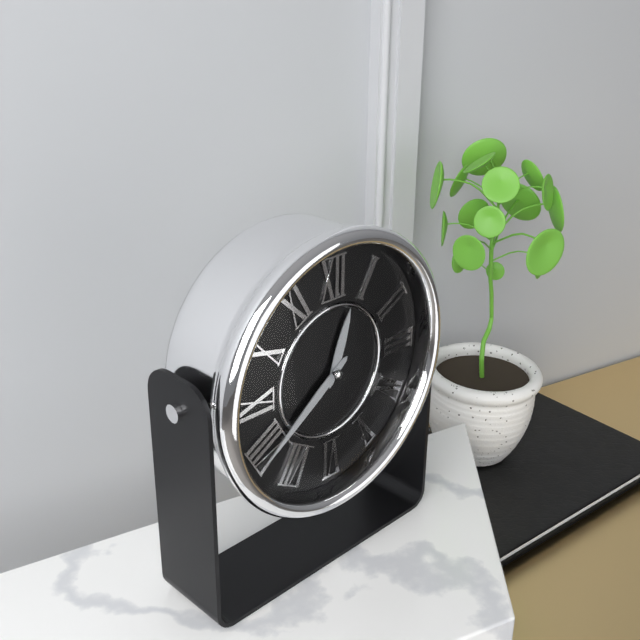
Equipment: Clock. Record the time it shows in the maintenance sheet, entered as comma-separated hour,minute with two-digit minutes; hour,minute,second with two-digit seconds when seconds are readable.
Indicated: 12,39
